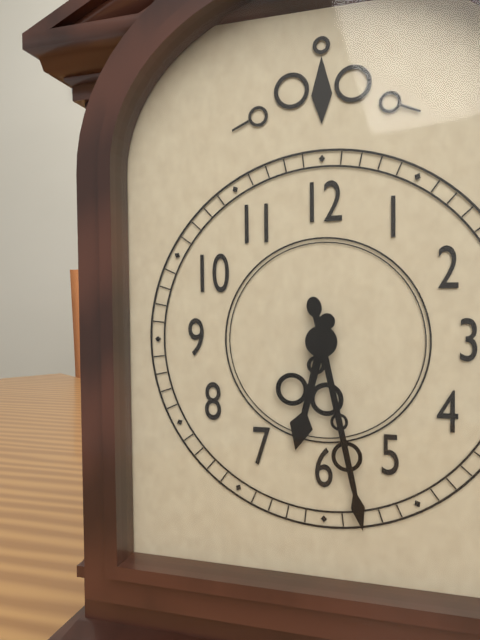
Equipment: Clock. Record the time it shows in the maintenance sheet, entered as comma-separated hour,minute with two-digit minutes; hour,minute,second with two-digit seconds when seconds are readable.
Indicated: 6,28
